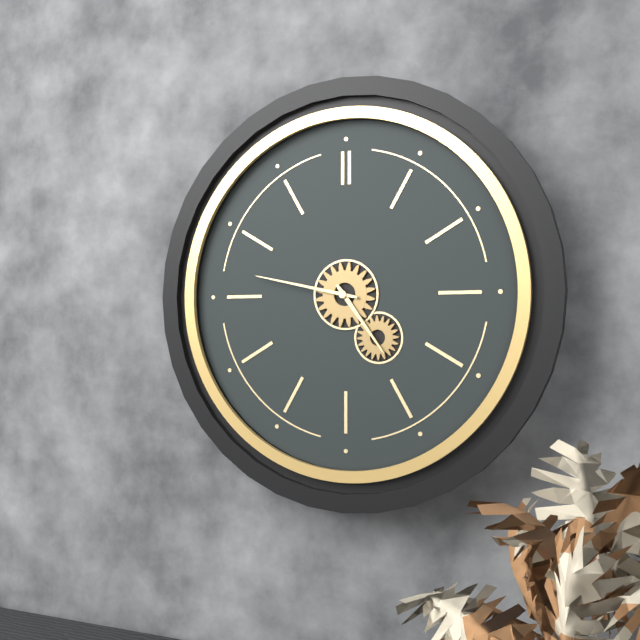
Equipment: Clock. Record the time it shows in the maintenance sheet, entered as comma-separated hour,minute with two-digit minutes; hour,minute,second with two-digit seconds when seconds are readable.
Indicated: 4,47
